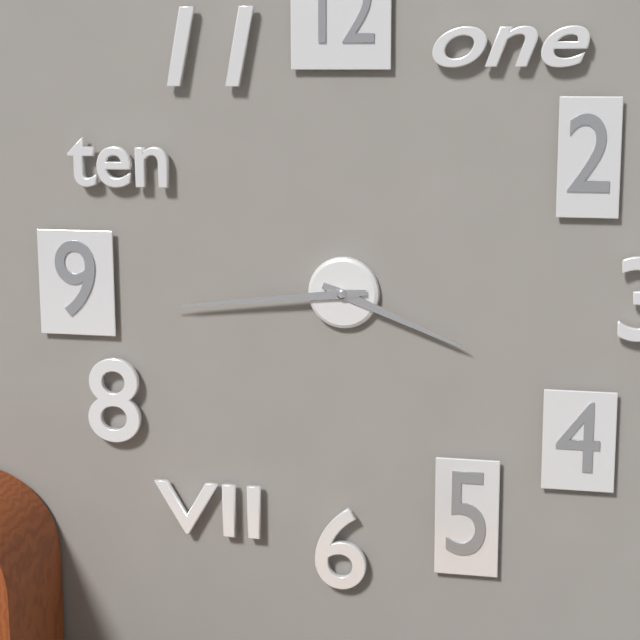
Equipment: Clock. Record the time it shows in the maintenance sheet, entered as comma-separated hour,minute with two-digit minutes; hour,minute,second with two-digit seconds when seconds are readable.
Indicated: 3,44
